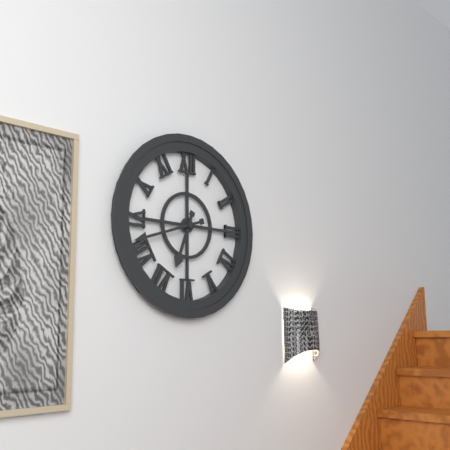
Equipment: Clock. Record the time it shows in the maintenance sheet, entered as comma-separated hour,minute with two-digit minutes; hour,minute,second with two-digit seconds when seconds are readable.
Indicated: 6,42
